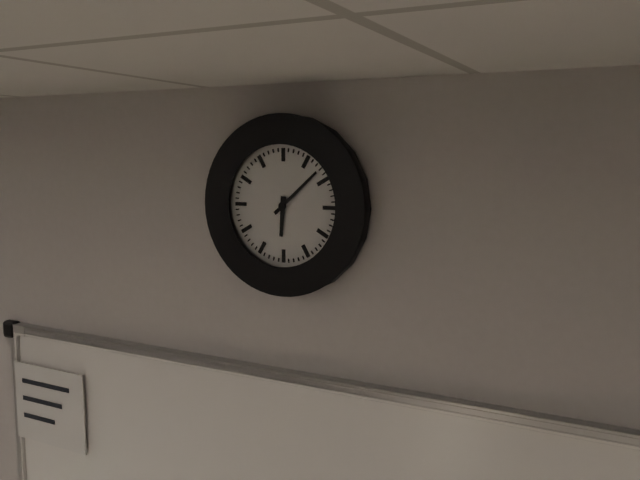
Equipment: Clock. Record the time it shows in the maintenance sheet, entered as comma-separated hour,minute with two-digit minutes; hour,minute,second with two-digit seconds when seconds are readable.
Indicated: 6,08
